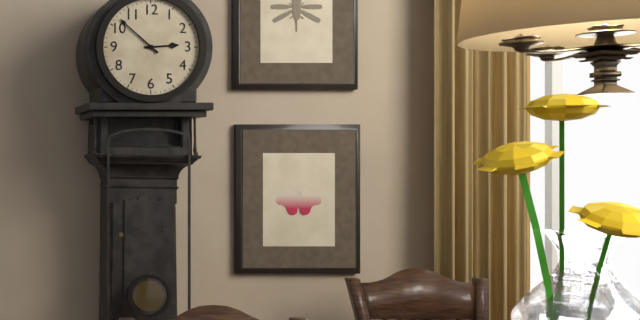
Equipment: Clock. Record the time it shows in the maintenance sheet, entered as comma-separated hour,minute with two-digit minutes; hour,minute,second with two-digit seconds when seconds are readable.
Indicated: 2,52
